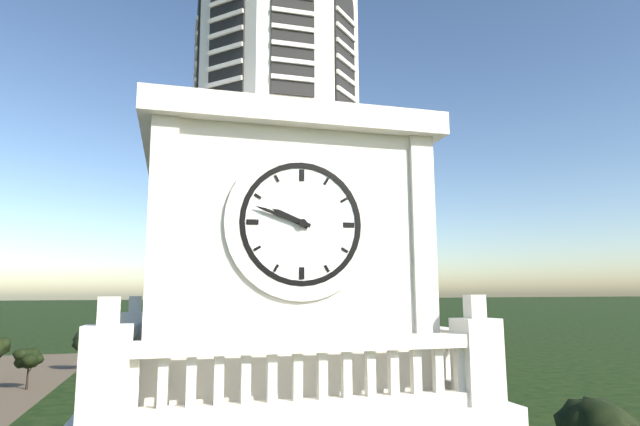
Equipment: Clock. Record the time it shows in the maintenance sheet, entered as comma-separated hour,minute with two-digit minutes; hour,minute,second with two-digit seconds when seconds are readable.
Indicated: 9,48
